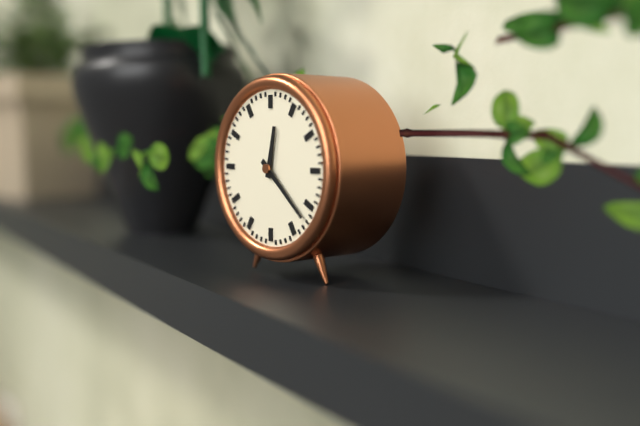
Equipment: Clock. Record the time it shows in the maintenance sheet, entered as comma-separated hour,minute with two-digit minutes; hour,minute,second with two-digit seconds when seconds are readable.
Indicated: 12,22
